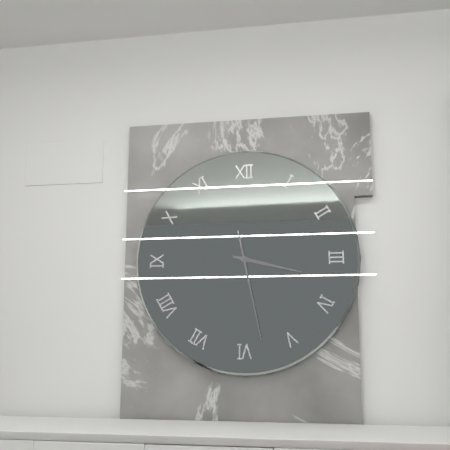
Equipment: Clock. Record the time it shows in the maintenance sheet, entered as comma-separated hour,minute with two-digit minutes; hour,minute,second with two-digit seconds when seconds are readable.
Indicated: 3,28
